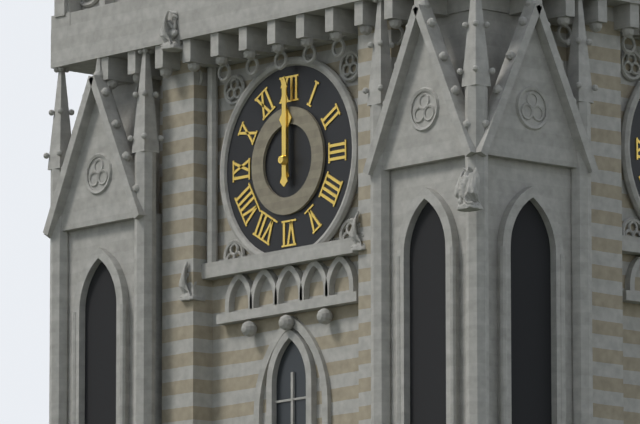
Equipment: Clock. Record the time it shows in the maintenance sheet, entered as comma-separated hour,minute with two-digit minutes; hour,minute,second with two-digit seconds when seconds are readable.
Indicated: 12,00
